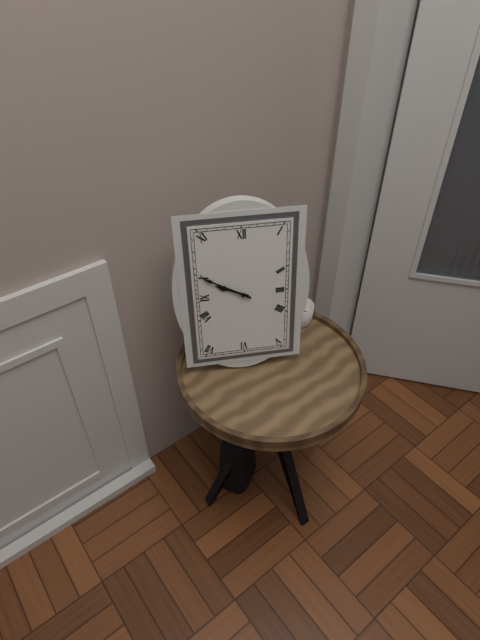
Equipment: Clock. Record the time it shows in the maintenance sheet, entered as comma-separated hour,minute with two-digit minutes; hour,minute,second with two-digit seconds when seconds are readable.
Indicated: 9,50
